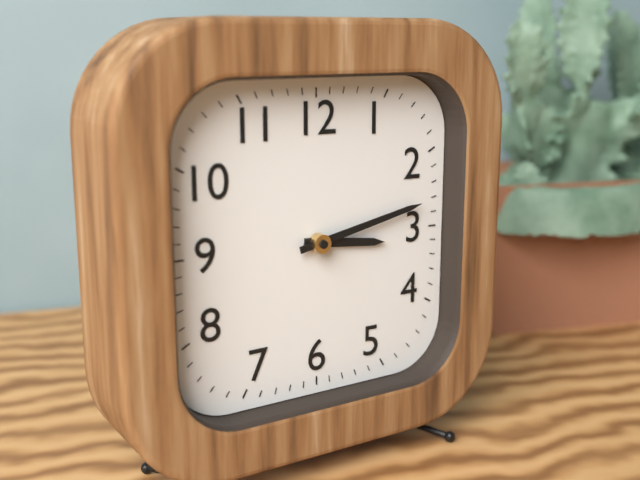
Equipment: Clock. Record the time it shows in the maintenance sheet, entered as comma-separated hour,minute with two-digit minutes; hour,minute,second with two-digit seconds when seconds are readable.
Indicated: 3,13
